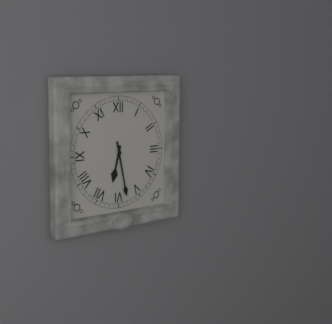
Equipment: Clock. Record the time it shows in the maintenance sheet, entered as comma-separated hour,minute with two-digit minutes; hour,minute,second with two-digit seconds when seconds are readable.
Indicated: 6,28
